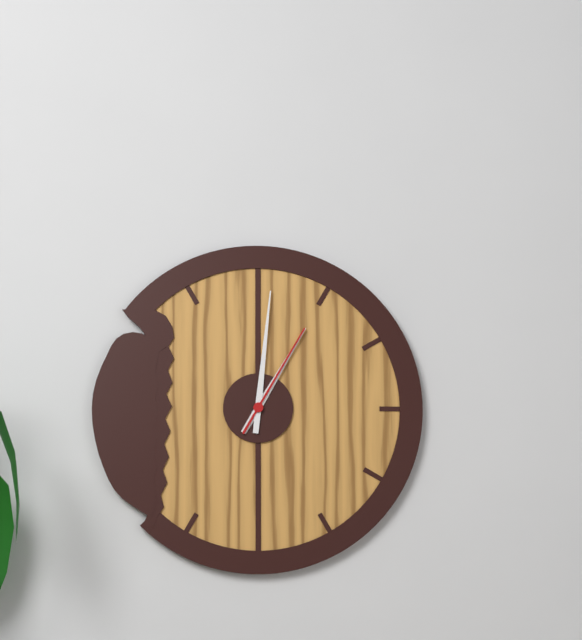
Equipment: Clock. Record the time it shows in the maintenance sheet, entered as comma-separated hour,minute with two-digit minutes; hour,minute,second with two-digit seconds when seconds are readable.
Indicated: 1,01,05
